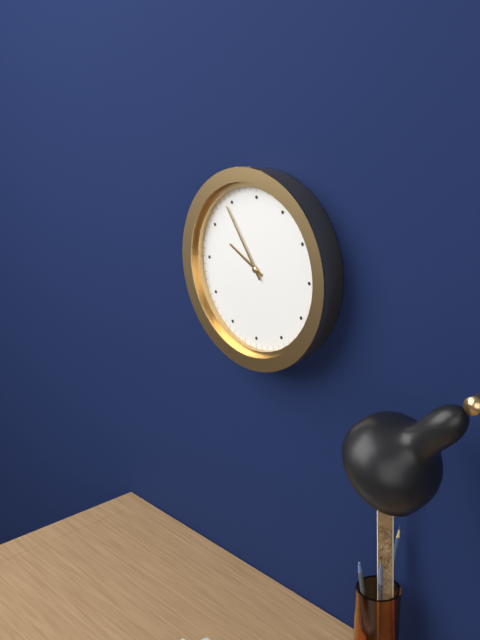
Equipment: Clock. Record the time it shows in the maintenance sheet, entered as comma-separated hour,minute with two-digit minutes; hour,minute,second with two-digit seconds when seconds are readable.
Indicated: 9,54
